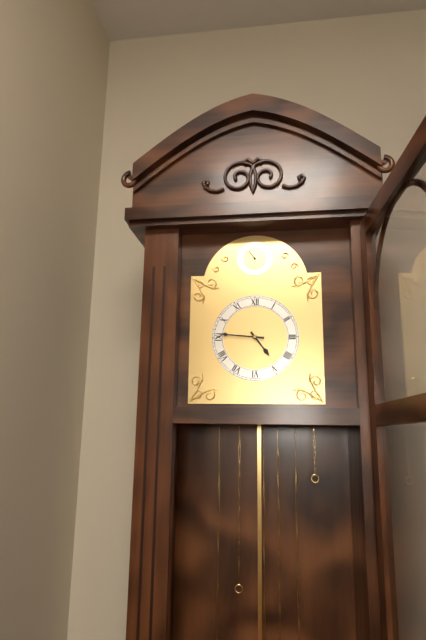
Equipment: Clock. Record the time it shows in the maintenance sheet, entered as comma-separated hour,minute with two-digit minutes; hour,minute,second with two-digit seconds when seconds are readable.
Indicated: 4,46
